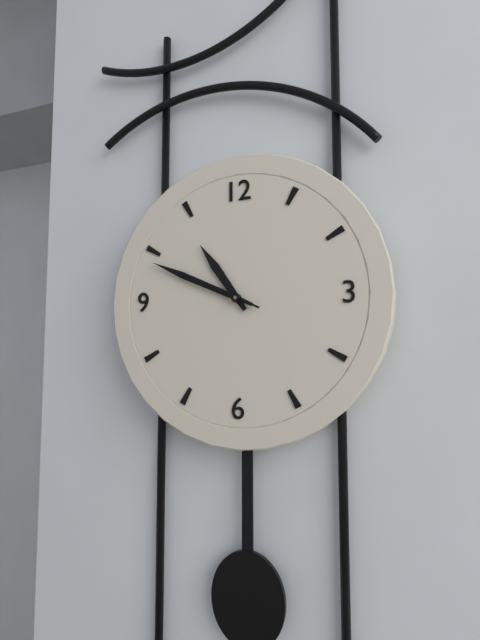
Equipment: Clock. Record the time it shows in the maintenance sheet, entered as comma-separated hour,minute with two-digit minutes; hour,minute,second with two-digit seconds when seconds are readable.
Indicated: 10,49,49
